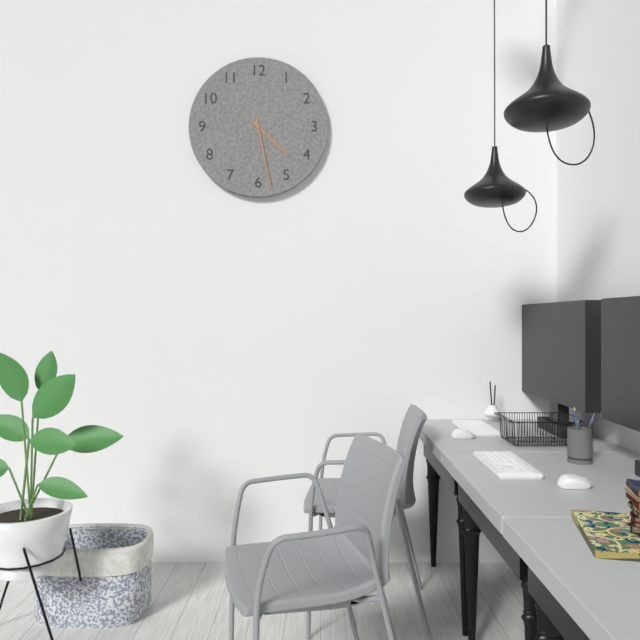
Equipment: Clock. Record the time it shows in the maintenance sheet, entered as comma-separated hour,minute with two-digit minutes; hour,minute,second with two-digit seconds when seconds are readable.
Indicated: 4,28
